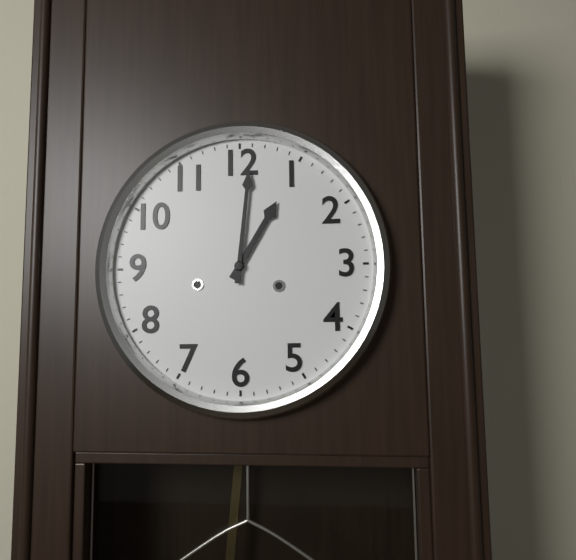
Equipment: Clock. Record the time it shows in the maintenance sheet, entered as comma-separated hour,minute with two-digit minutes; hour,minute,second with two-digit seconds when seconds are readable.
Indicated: 1,01
